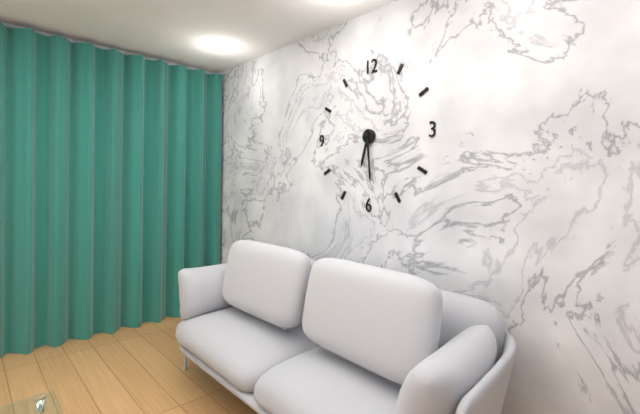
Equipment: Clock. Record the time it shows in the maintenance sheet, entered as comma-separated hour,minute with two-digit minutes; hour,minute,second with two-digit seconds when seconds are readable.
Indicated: 6,29
